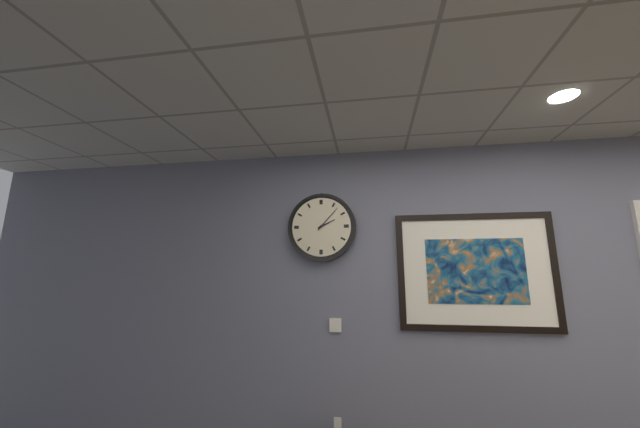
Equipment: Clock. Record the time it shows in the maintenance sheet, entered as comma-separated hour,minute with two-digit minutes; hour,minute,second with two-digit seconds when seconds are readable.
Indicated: 2,07
